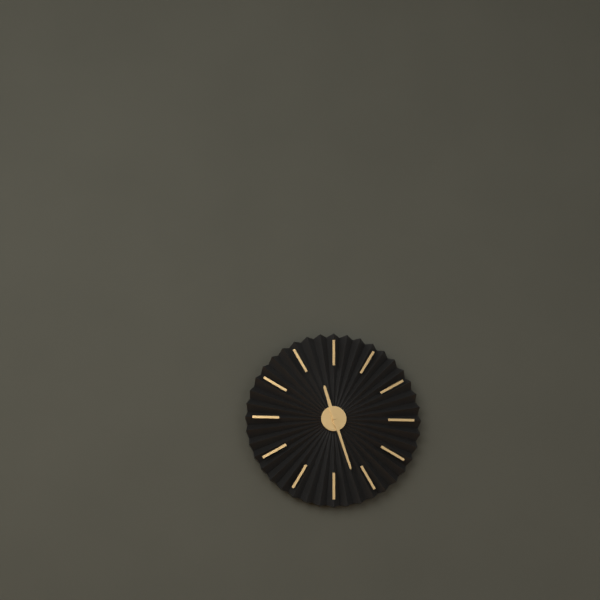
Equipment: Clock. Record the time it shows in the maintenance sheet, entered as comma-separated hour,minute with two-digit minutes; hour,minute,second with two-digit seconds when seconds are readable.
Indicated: 11,27
